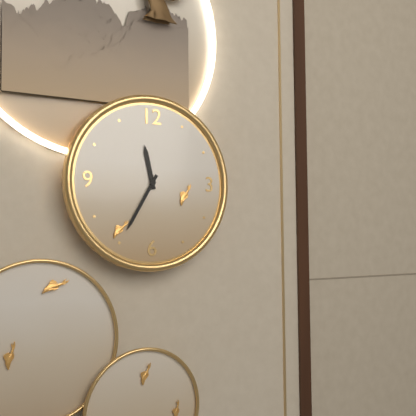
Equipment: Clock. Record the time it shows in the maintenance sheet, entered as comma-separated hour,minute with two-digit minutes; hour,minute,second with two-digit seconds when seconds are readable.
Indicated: 11,35
